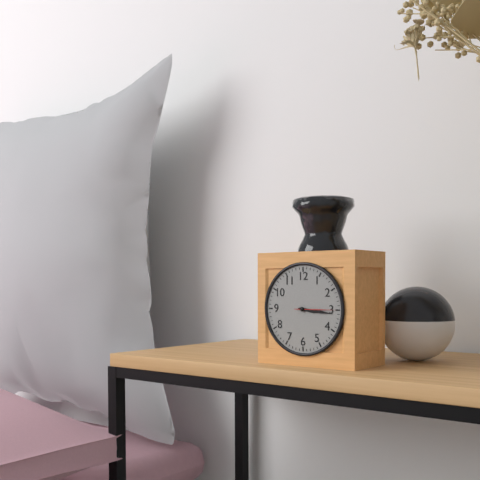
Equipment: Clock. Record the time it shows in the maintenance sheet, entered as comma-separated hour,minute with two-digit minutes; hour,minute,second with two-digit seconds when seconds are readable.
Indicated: 3,16
